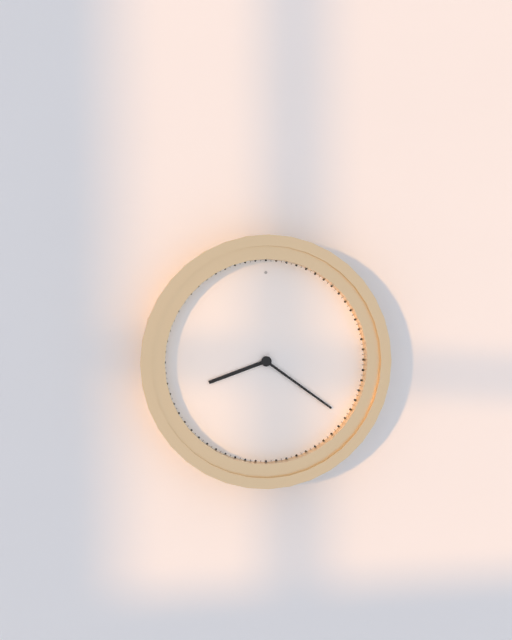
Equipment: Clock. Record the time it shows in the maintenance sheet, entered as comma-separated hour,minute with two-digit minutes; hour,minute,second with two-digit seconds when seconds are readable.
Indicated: 8,21
